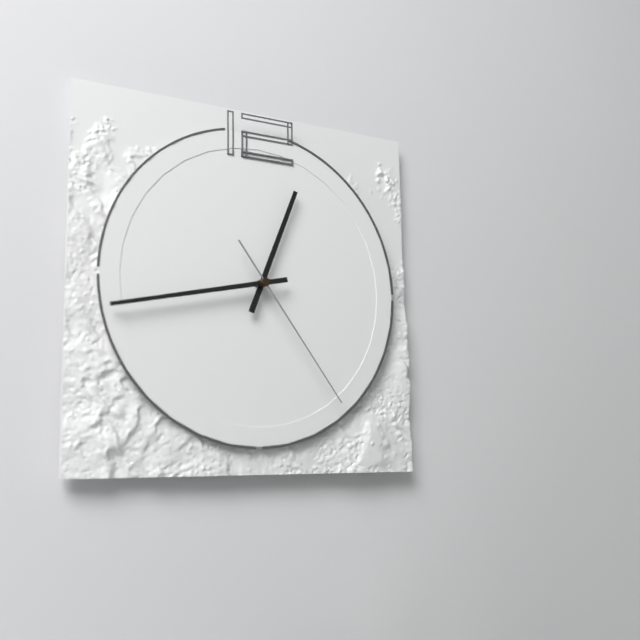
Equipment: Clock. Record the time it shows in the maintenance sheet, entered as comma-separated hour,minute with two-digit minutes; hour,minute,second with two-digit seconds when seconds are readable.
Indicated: 12,43,24
